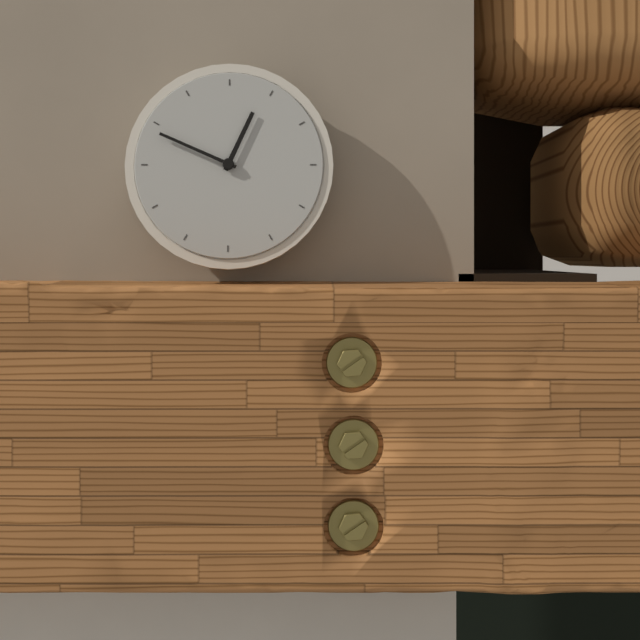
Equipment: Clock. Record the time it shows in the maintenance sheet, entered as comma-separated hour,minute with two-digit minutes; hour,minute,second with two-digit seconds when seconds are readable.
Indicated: 12,49
